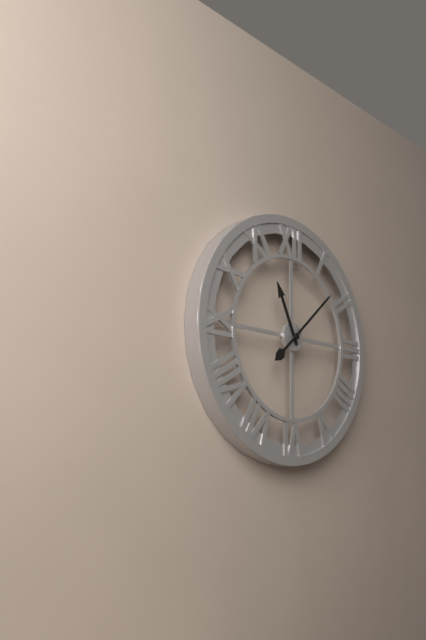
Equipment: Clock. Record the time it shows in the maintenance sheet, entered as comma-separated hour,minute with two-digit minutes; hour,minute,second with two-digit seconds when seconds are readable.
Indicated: 11,08
